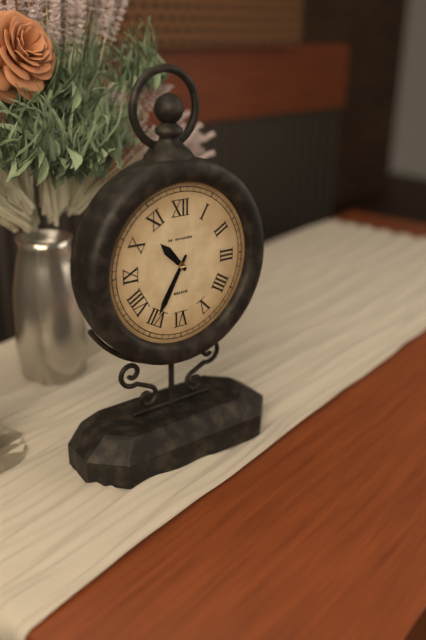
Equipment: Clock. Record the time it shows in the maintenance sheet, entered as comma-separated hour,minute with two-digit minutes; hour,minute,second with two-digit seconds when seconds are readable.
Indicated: 10,35
